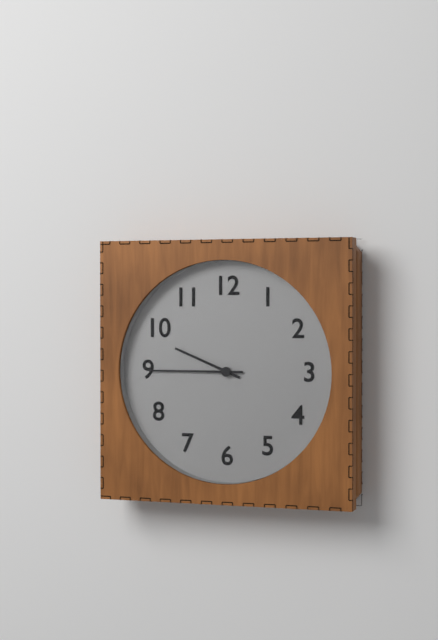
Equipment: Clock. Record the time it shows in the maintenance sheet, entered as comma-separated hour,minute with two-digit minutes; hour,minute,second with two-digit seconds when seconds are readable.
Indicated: 9,45
